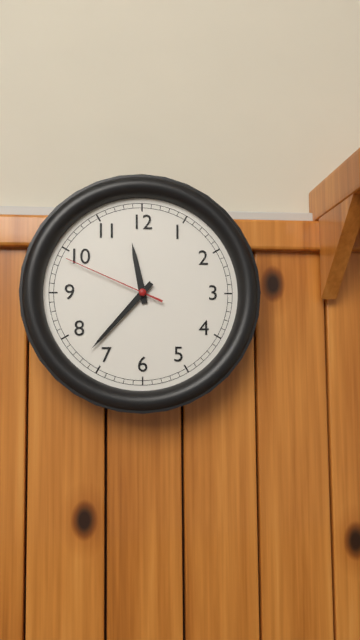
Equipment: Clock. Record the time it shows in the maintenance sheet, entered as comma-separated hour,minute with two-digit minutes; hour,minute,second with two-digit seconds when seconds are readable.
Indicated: 11,37,49
